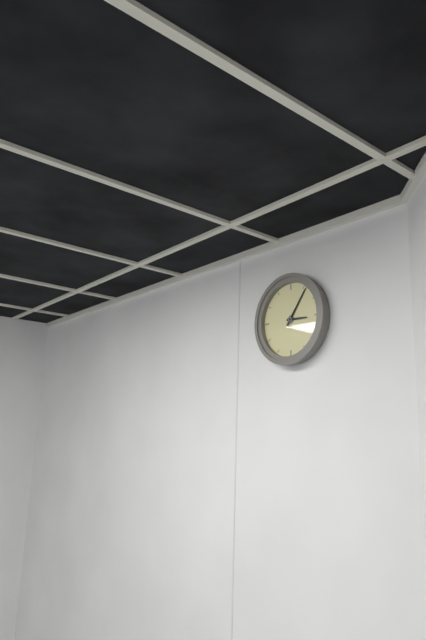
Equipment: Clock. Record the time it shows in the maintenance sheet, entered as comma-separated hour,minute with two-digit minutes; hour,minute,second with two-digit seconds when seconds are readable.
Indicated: 3,06
